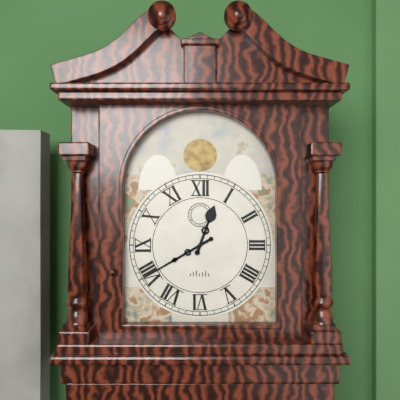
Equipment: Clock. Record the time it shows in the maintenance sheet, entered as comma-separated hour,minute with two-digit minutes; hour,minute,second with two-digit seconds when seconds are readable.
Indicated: 12,40
